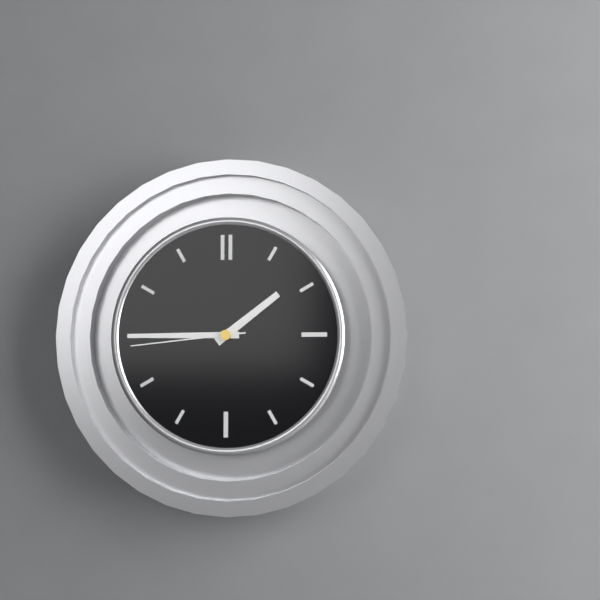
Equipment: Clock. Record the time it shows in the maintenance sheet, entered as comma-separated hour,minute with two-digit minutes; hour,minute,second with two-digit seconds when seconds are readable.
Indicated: 1,45,44
